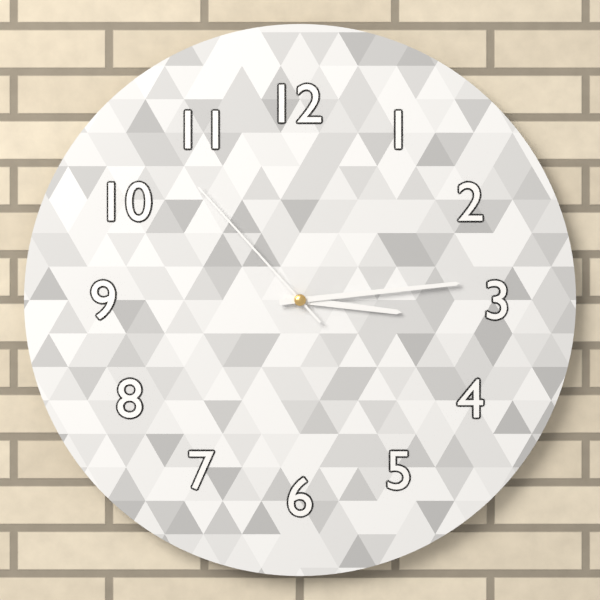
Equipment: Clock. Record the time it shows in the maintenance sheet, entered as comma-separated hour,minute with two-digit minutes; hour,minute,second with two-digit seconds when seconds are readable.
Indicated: 3,14,53
